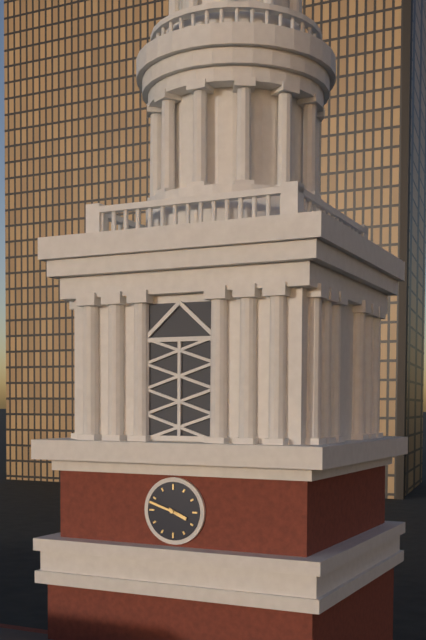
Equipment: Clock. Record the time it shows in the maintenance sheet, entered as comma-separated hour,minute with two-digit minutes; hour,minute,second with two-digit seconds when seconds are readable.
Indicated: 3,48
